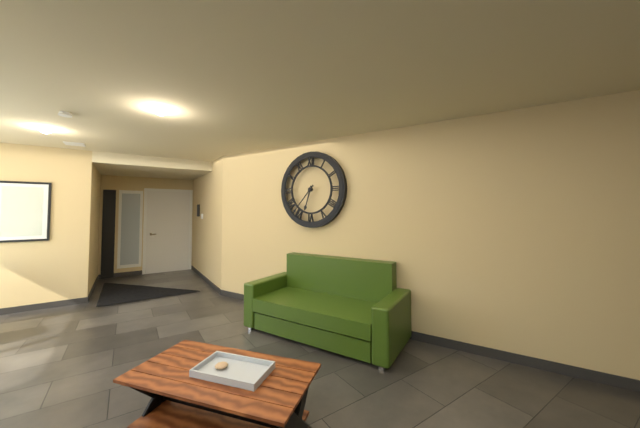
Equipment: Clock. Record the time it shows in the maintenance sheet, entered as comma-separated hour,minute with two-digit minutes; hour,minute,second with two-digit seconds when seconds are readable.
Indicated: 6,37
